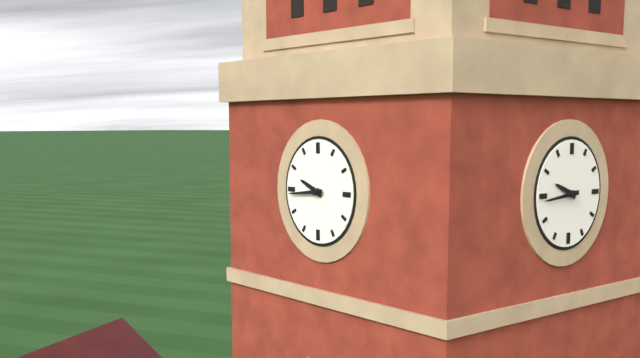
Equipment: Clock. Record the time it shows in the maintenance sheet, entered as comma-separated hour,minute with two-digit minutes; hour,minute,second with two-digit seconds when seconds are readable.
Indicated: 9,44
